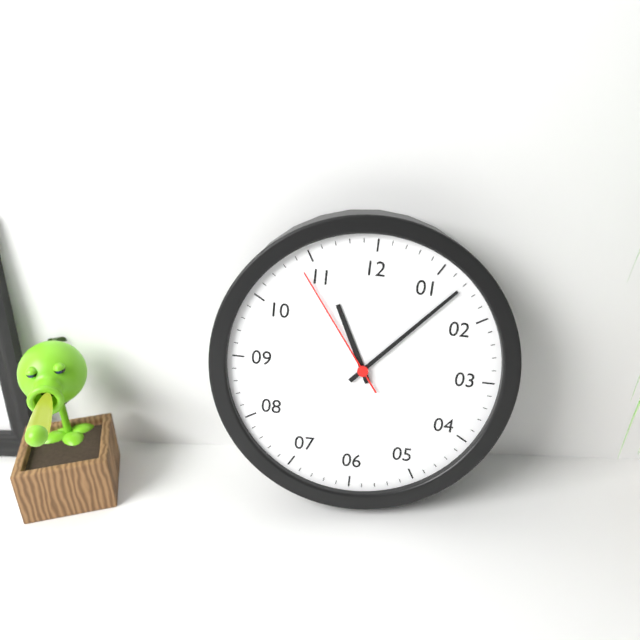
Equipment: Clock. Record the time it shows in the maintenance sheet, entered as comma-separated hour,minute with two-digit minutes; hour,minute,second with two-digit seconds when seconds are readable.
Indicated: 11,07,54
